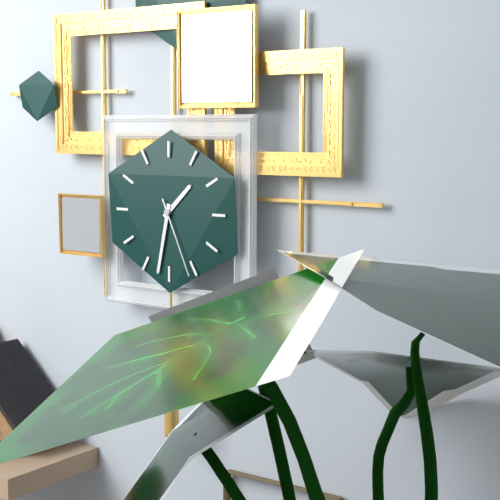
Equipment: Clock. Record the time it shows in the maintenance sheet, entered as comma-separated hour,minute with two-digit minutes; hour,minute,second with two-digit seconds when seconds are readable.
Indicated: 1,32,26
